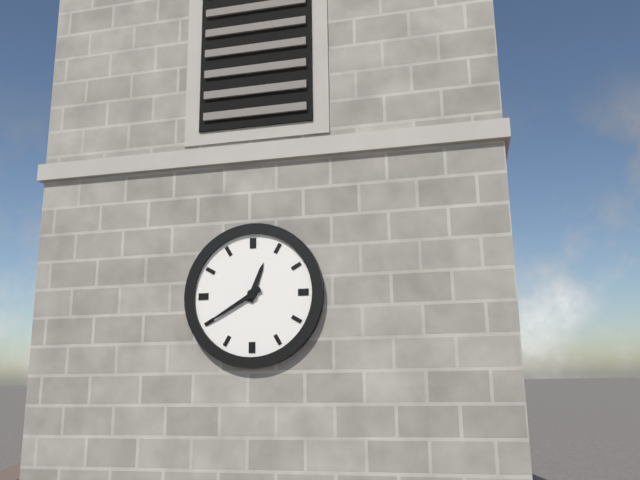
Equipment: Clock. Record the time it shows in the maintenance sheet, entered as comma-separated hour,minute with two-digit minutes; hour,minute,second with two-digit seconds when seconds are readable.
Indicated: 12,40
